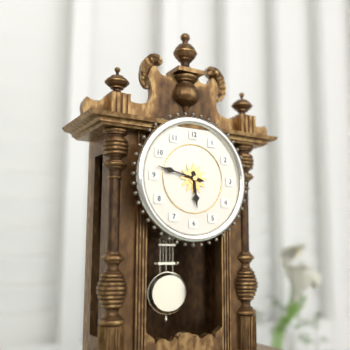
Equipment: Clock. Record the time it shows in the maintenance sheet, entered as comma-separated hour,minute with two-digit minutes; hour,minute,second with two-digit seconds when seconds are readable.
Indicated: 5,47
